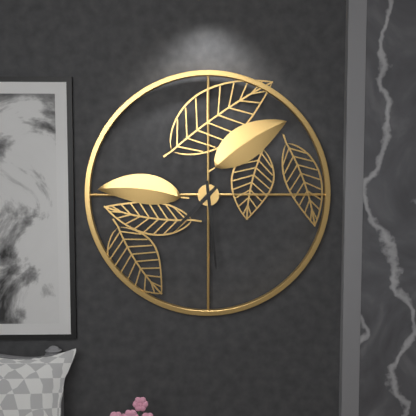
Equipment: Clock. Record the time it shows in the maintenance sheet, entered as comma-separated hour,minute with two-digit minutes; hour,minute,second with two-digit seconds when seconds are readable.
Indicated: 7,29
